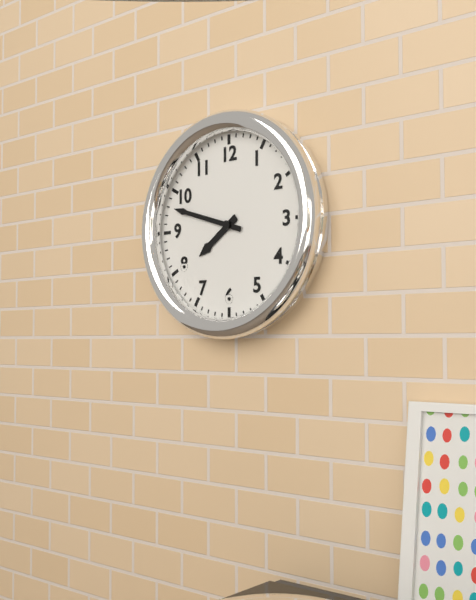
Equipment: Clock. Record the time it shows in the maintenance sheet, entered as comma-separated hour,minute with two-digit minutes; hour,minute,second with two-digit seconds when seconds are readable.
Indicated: 7,48
